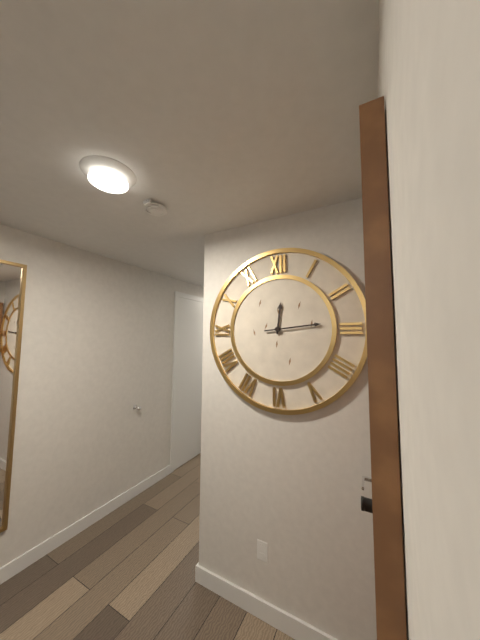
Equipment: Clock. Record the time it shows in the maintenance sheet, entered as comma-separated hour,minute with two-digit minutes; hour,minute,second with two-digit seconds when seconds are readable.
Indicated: 12,14
